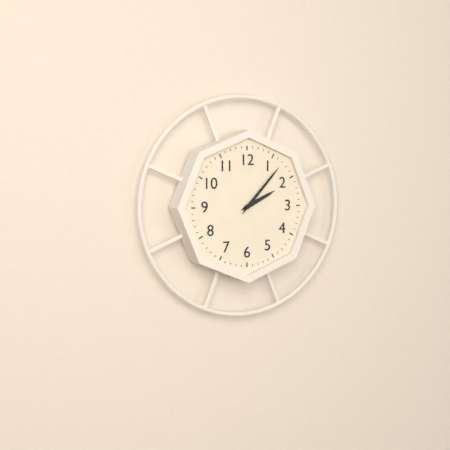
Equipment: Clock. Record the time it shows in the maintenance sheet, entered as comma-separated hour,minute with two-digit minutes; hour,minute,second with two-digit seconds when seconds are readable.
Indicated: 2,07
